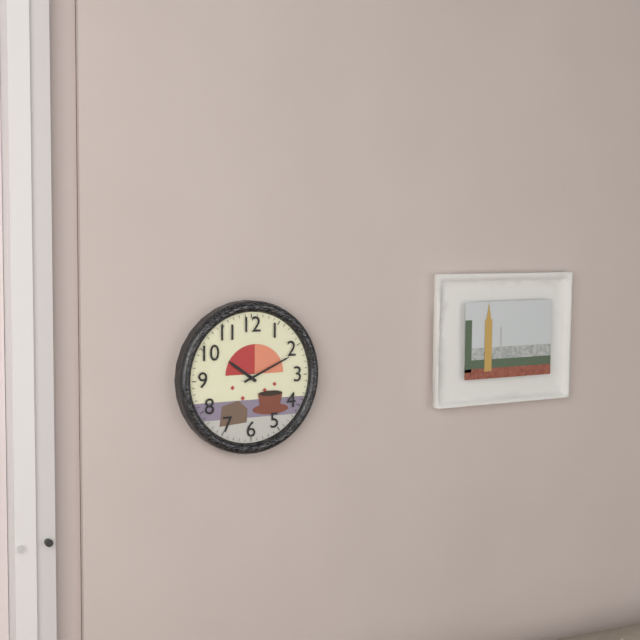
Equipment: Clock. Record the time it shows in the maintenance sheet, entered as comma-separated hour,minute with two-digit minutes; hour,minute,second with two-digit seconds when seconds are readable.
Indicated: 10,11
